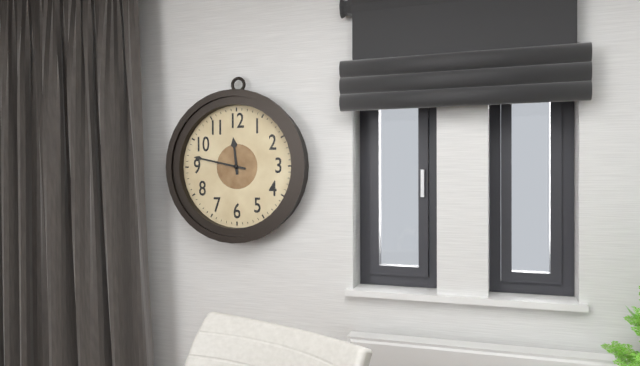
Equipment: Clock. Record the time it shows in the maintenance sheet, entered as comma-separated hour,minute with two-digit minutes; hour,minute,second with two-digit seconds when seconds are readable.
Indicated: 11,47
